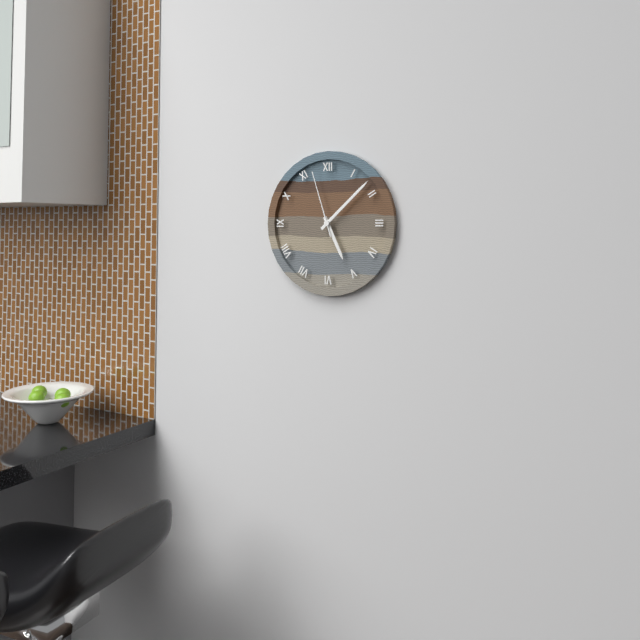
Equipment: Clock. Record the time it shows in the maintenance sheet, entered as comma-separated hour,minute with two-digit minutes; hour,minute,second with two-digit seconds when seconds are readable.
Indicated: 5,08,57
